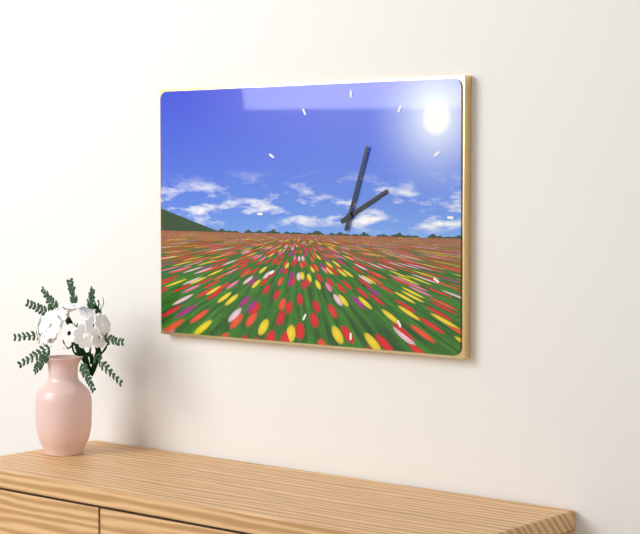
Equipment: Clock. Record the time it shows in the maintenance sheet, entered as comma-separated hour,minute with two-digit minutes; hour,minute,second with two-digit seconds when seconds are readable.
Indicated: 2,03
